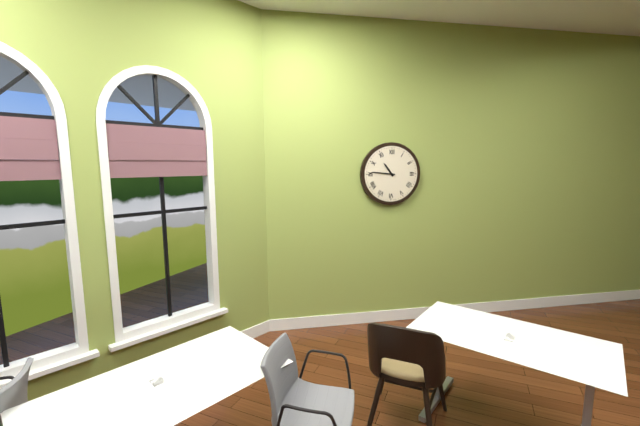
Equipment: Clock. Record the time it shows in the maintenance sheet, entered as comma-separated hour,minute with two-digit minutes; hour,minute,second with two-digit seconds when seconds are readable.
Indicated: 10,46
